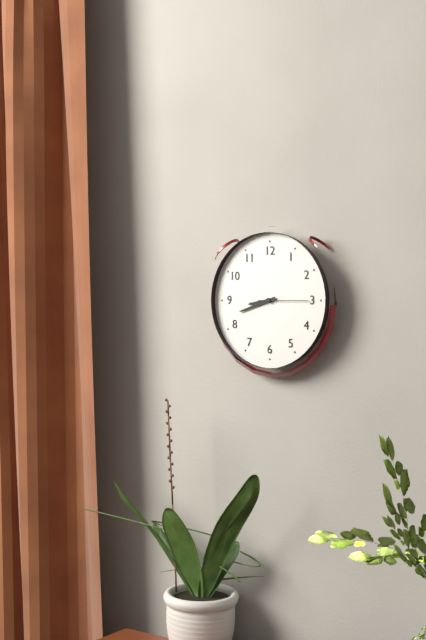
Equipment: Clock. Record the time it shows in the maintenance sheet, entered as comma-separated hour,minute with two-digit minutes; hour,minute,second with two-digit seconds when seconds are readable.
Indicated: 8,42,15
